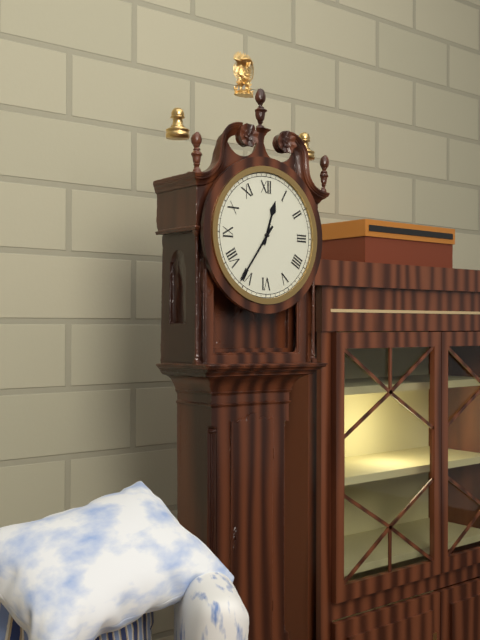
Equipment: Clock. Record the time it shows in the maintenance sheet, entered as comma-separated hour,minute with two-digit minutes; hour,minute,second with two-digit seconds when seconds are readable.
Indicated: 12,36
